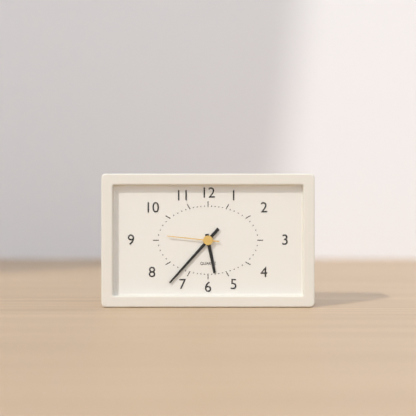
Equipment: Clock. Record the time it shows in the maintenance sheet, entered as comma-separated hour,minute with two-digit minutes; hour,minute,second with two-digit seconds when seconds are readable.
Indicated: 5,37,46
